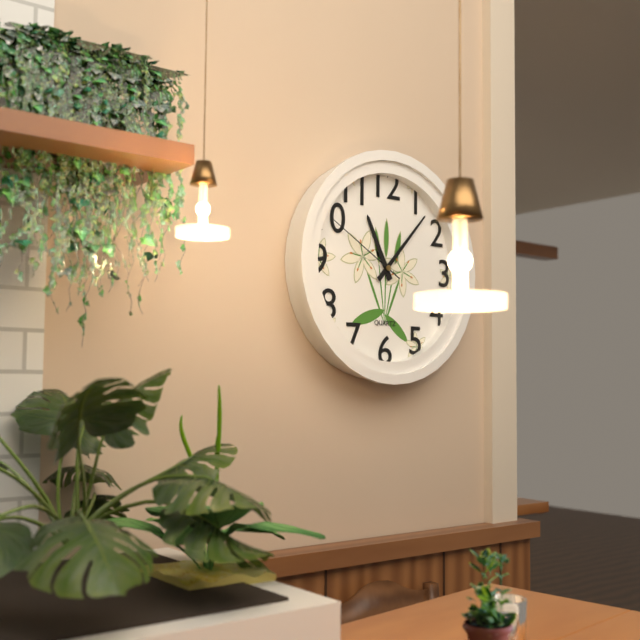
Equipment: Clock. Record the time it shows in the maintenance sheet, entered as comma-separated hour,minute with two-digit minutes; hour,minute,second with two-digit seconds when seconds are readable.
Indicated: 11,07,50
